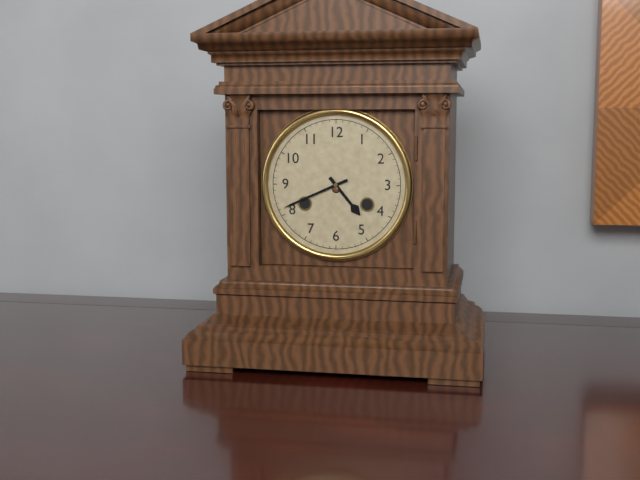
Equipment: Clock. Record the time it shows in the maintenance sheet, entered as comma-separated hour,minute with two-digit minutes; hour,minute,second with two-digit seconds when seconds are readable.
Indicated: 4,41
